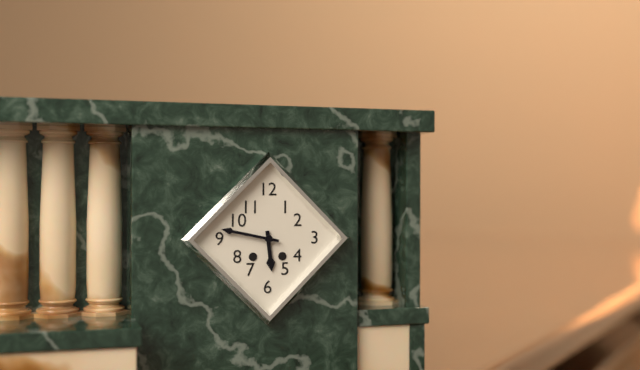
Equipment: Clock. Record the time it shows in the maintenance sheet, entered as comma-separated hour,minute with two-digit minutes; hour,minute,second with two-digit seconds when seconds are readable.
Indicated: 5,47
